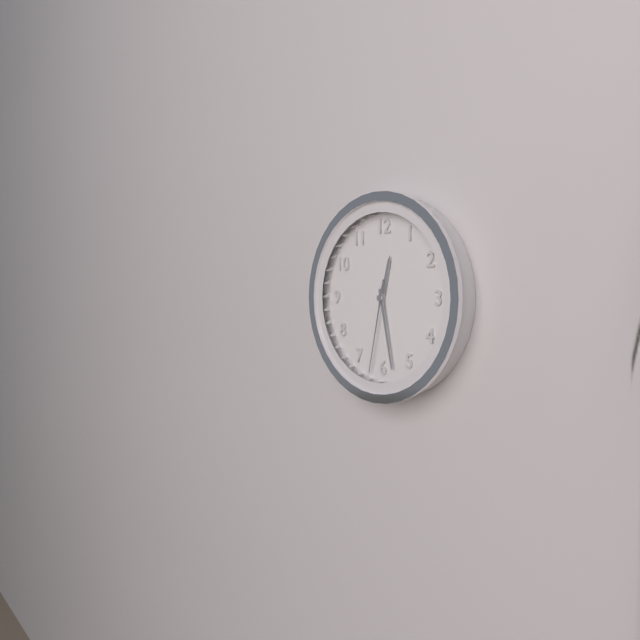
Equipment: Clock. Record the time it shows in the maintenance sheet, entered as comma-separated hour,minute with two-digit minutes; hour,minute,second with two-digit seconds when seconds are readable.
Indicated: 12,28,32
